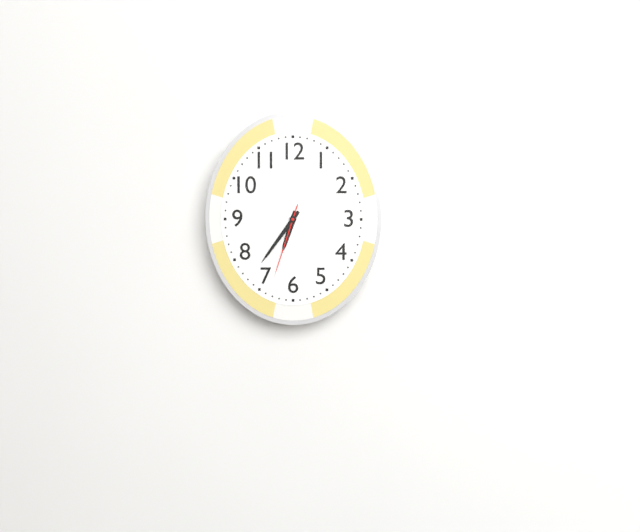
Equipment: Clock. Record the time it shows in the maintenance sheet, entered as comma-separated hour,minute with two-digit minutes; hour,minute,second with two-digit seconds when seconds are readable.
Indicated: 6,36,33
